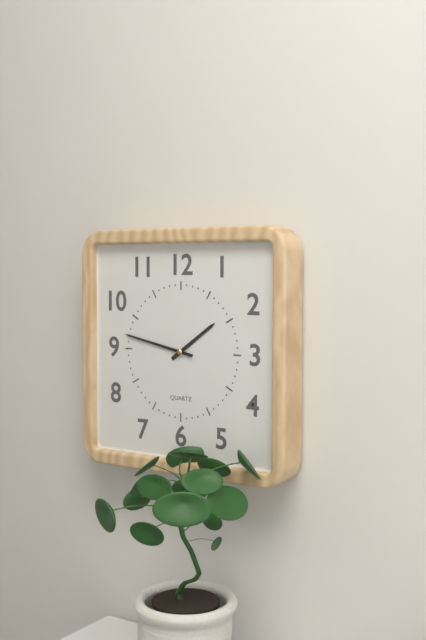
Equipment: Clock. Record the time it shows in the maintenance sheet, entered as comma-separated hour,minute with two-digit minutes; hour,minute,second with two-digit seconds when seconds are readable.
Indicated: 1,47
